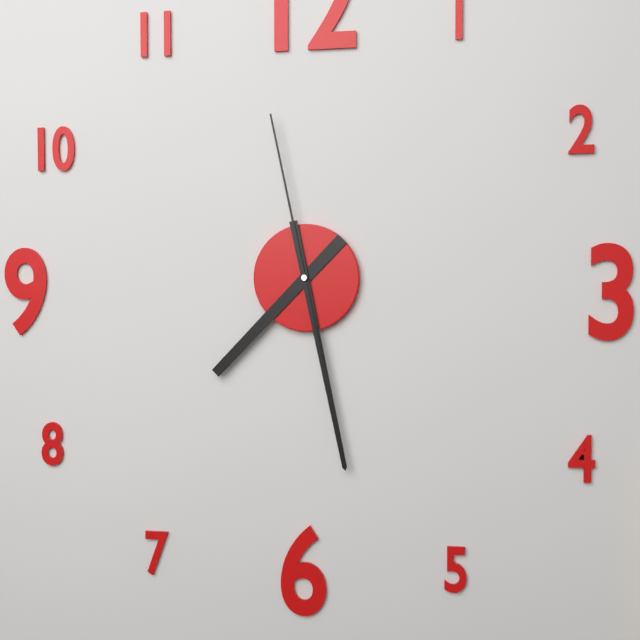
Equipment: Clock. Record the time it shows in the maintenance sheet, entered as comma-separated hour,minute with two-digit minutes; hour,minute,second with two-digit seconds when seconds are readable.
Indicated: 7,28,58
